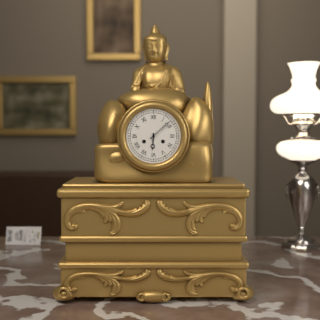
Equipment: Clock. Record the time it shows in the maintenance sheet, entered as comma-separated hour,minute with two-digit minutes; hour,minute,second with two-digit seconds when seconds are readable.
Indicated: 6,08
